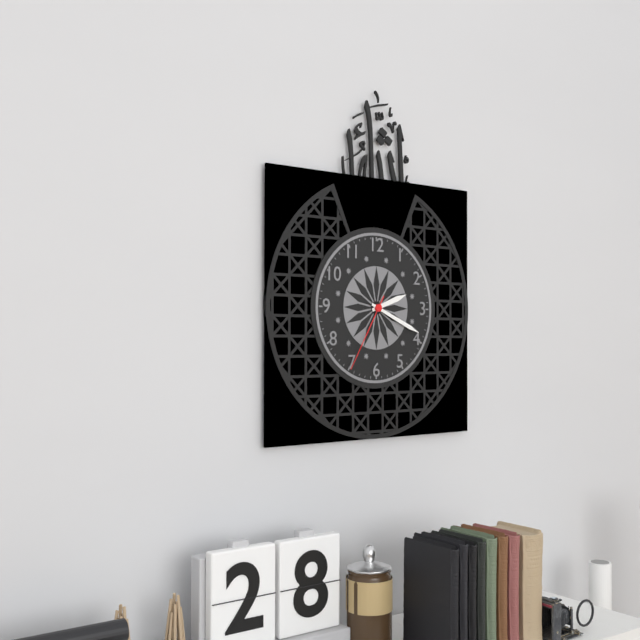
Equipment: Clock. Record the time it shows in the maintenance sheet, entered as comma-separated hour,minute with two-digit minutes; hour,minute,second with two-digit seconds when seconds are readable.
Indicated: 2,19,35
